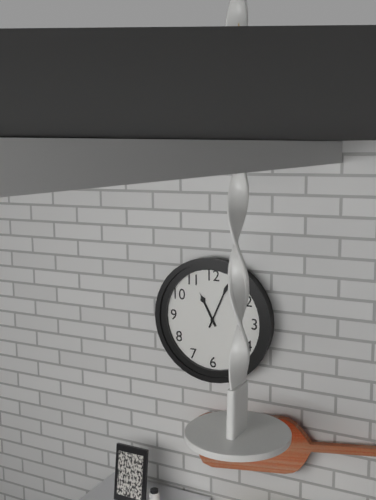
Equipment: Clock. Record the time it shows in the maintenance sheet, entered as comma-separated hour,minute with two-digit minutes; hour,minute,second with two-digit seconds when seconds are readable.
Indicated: 11,04
